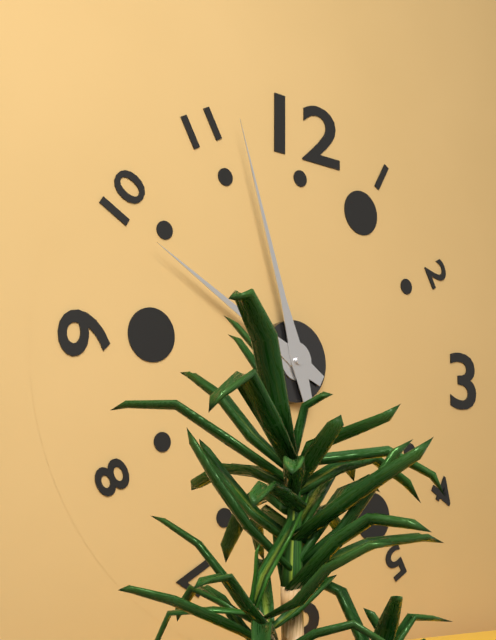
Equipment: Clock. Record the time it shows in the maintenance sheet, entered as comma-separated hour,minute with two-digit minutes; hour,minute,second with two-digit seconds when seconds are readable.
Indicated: 9,57
